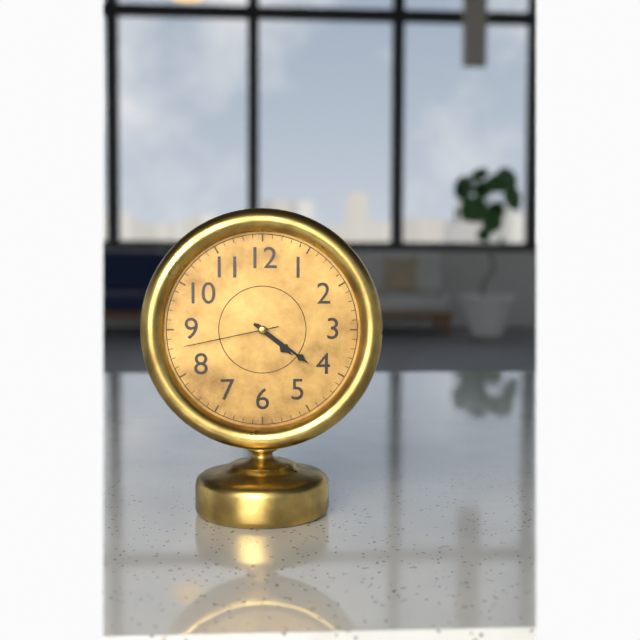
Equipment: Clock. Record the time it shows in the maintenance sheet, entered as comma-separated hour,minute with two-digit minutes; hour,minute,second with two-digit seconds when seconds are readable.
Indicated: 4,21,43
